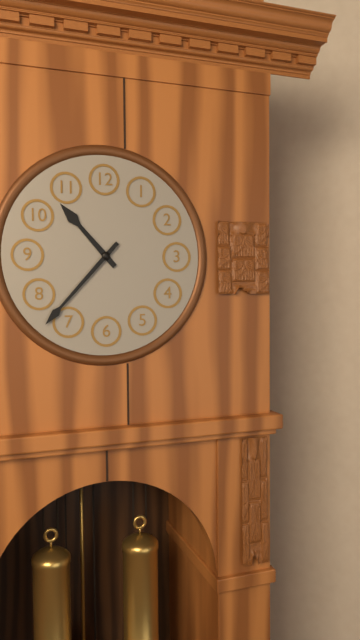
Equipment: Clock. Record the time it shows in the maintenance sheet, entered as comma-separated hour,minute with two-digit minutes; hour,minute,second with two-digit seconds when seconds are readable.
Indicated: 10,37
